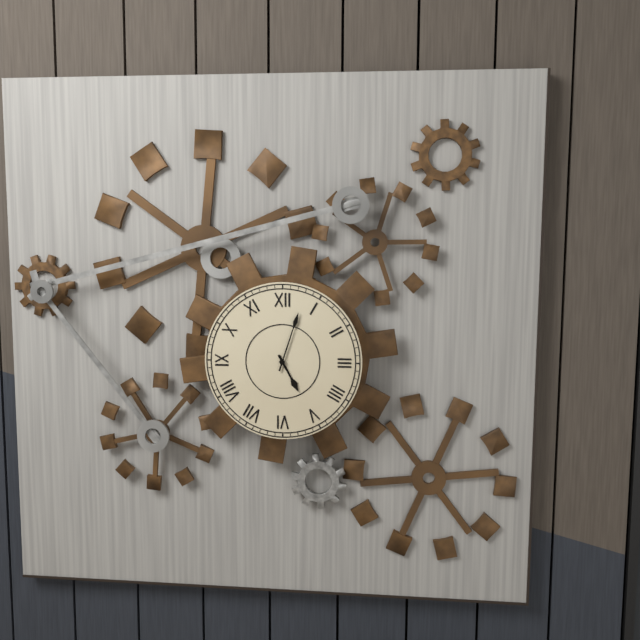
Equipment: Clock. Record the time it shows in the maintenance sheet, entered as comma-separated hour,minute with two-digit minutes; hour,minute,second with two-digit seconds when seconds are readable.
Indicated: 5,03
